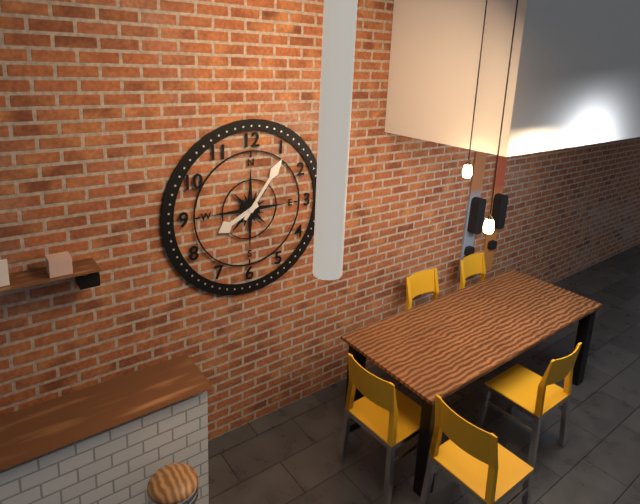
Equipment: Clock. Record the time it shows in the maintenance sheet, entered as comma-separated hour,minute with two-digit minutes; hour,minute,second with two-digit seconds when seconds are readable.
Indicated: 8,06
